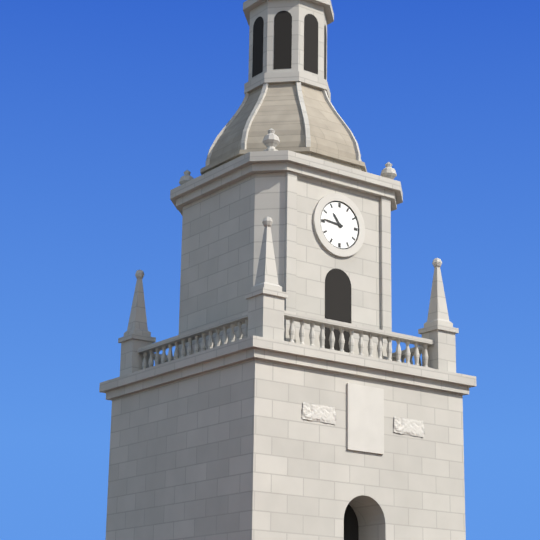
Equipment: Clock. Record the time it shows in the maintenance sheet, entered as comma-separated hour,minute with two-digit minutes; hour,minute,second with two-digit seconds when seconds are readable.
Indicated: 10,46
